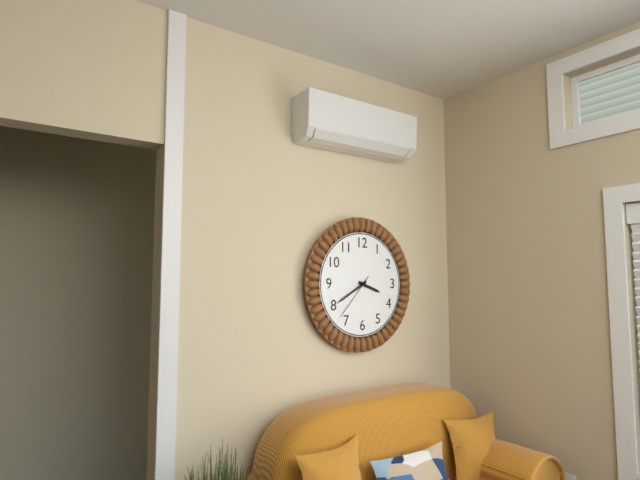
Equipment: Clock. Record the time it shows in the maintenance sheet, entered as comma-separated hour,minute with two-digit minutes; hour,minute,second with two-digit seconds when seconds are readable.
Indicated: 3,40
